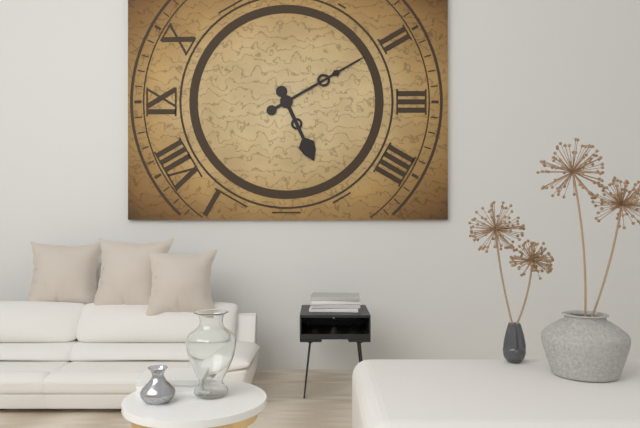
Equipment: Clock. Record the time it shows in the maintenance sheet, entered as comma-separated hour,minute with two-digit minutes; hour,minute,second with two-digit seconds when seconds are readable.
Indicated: 5,10
